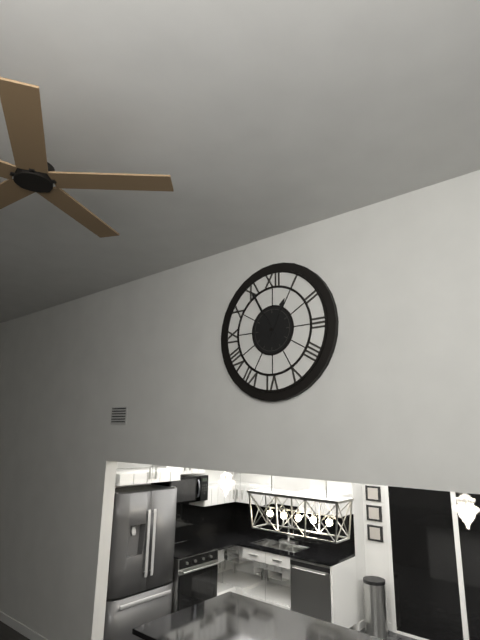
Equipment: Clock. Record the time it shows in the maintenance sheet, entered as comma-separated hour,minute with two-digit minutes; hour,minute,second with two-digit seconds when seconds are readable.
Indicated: 12,55
